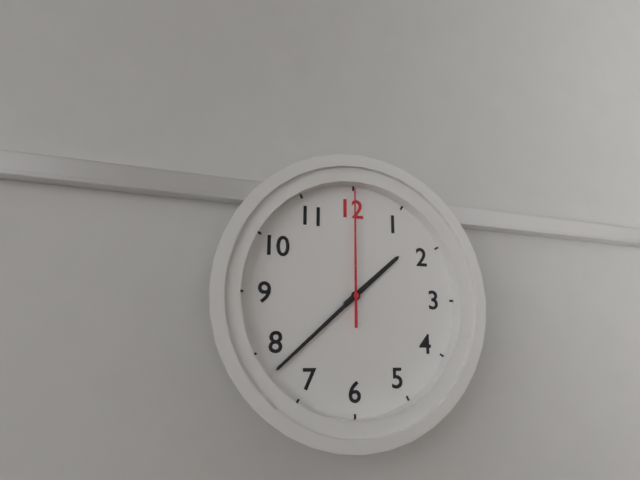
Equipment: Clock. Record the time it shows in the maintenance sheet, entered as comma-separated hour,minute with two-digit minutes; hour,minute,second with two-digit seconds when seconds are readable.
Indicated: 1,38,00
